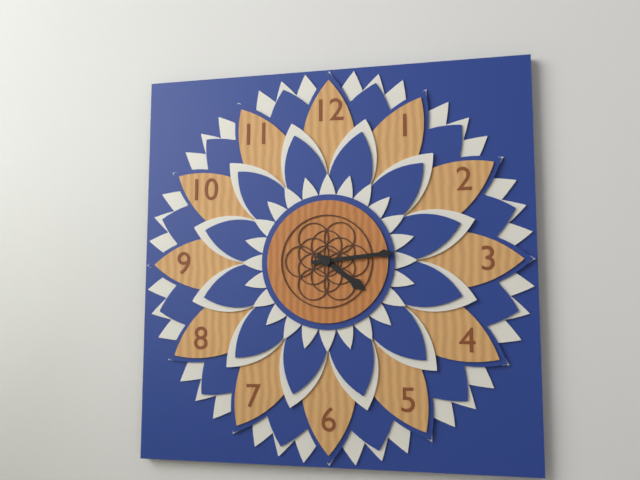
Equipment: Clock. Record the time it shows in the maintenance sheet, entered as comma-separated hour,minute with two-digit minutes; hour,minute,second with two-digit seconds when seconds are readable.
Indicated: 4,14
